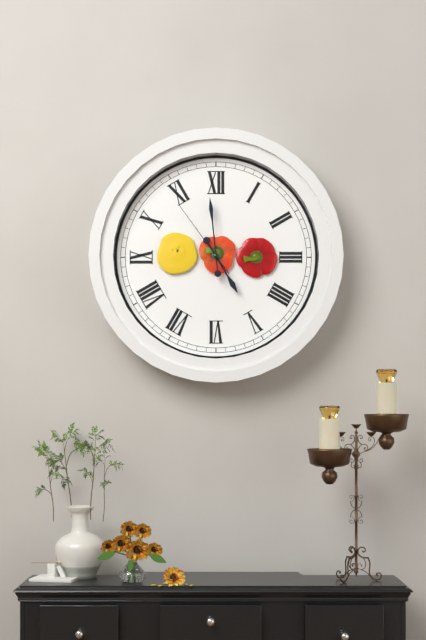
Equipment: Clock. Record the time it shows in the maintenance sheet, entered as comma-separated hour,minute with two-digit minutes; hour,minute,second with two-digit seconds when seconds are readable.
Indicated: 4,59,54
